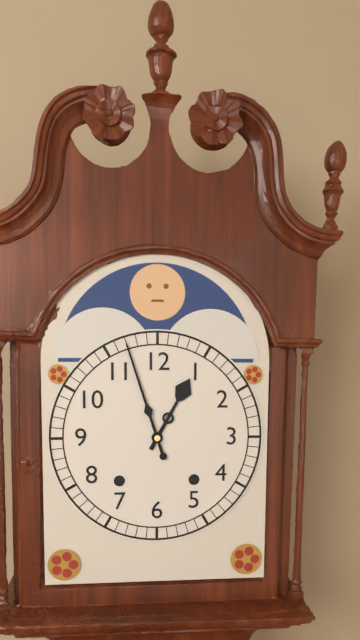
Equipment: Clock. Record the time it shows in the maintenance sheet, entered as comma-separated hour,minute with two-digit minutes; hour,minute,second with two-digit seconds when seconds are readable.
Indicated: 12,57
